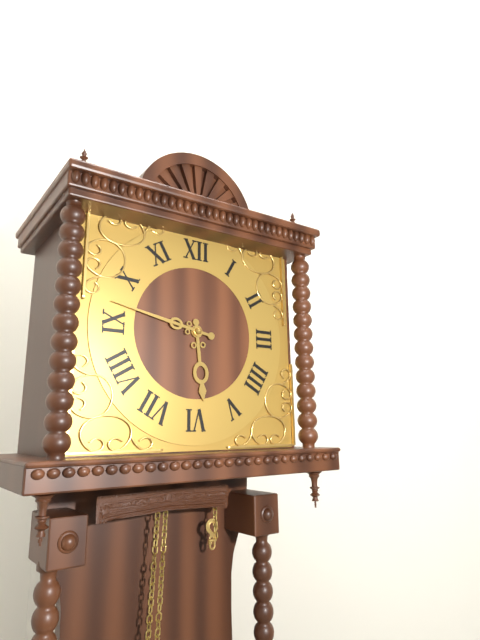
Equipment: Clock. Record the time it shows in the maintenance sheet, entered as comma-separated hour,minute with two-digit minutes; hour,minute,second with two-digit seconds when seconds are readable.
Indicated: 5,47
